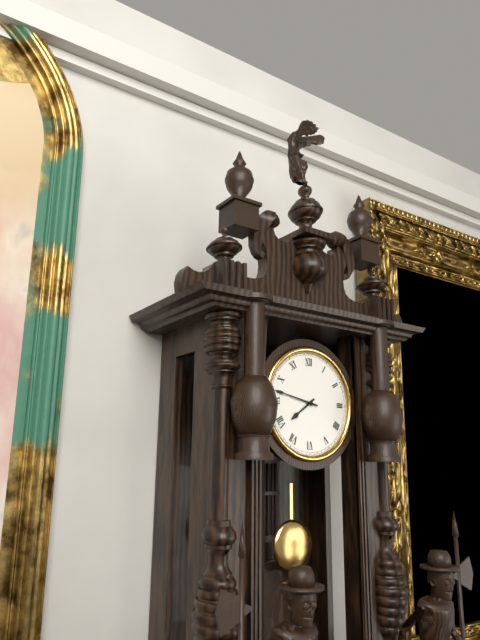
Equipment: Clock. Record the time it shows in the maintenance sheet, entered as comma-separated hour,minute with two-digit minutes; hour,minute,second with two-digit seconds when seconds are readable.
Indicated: 7,47
